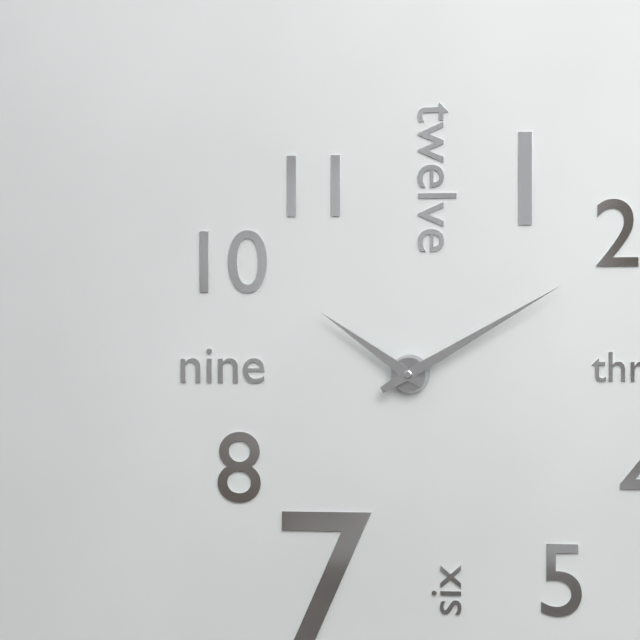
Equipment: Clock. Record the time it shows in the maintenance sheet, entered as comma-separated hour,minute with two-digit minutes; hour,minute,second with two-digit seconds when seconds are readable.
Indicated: 10,10
